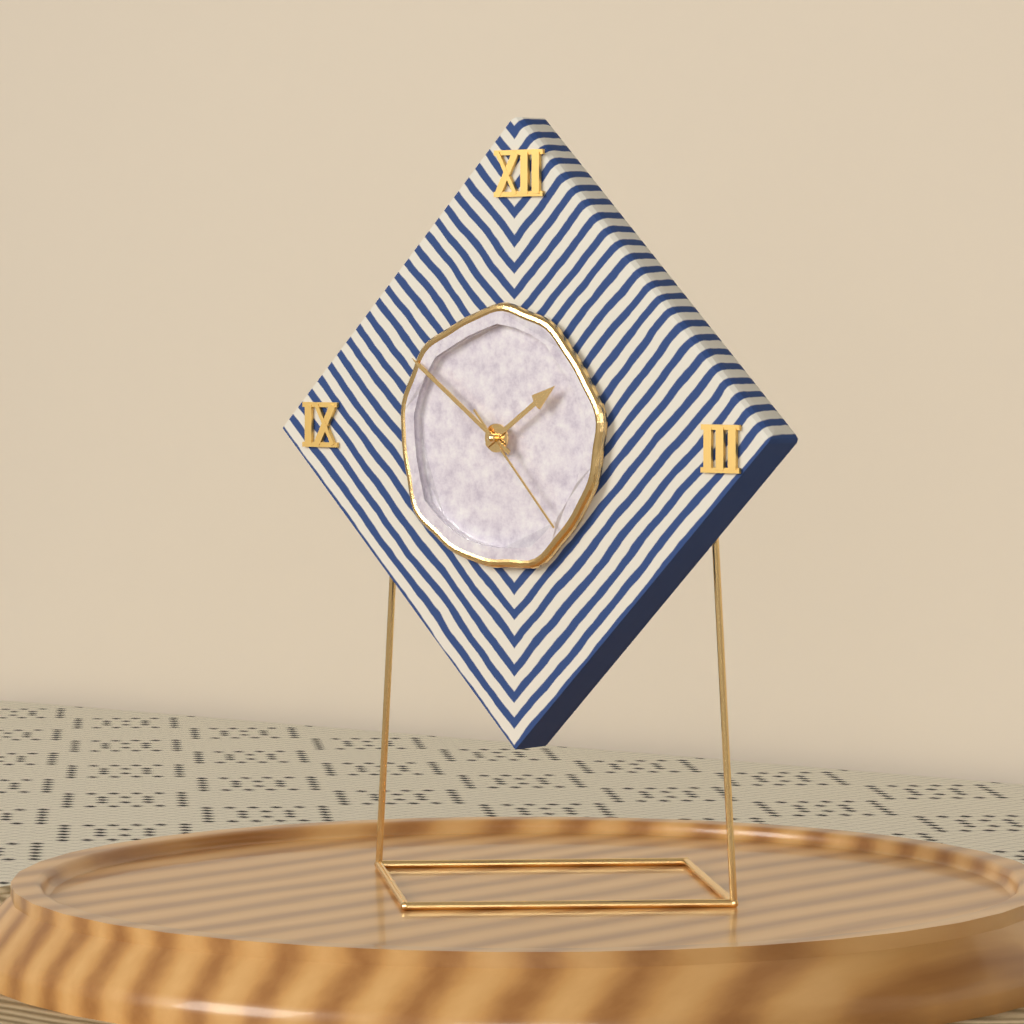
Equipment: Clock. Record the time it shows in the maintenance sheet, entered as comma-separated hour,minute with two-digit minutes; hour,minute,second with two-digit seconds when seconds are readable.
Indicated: 1,51,23
